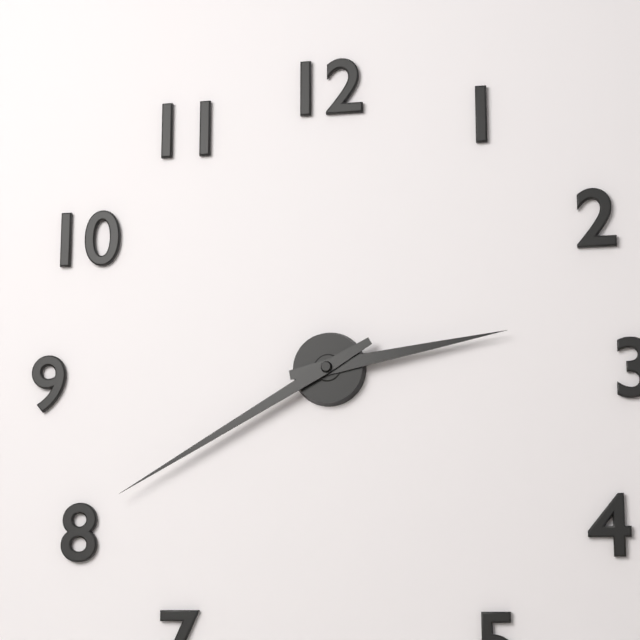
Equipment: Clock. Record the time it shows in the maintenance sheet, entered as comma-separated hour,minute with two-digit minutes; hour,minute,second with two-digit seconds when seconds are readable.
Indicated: 2,40
